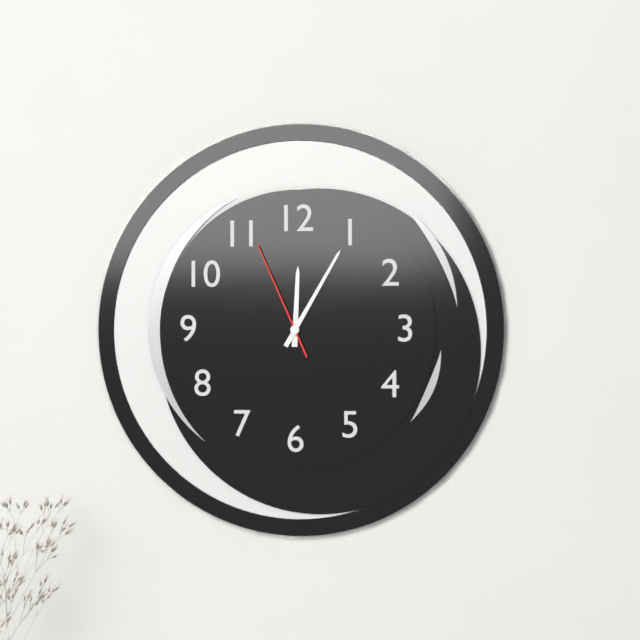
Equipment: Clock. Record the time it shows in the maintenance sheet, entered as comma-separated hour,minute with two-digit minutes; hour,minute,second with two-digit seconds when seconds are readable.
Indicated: 12,05,56
